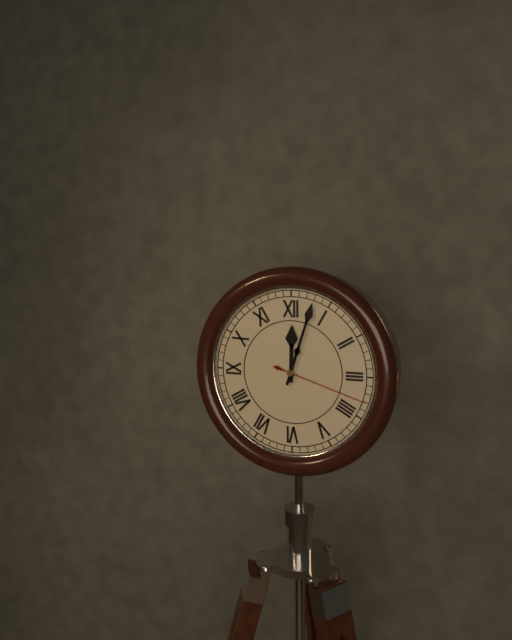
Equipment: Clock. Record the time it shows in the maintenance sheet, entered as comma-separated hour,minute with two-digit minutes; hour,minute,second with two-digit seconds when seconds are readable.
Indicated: 12,03,18
